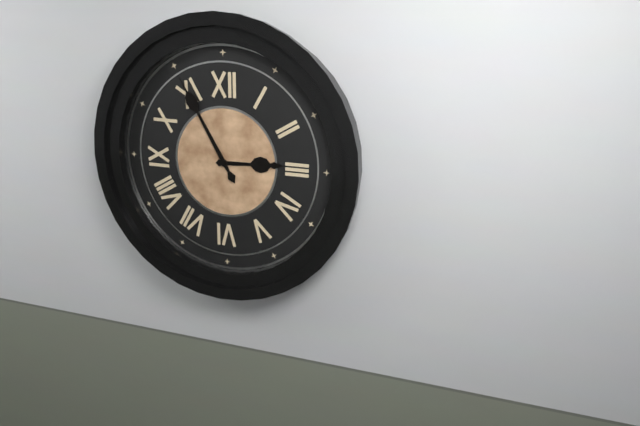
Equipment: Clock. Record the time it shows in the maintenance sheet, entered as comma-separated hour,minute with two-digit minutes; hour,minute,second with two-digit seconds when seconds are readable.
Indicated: 2,55
